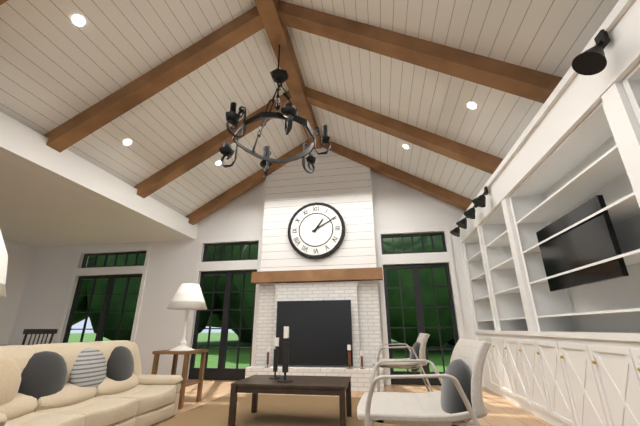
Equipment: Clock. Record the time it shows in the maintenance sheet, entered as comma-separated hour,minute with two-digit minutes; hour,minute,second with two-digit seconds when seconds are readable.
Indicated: 1,10
